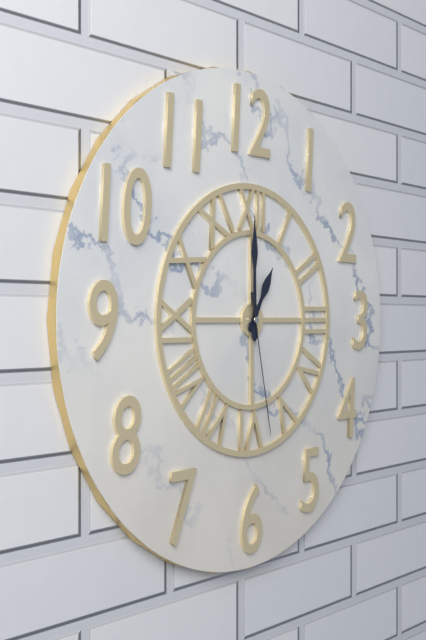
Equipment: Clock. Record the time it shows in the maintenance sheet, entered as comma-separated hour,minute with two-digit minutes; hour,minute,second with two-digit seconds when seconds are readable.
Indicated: 1,00,28
